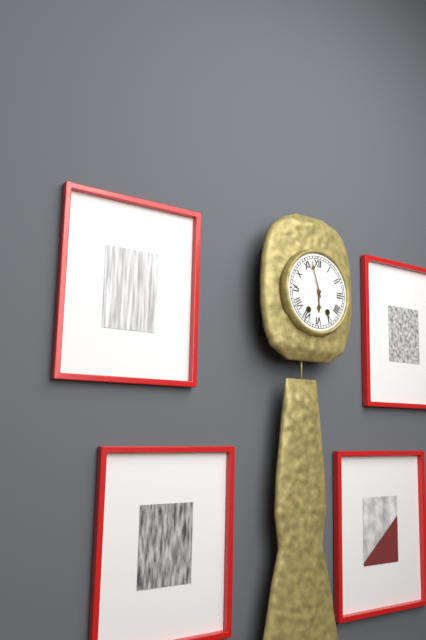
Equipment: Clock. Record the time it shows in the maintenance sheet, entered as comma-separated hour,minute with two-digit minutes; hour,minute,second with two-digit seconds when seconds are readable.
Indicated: 5,57
